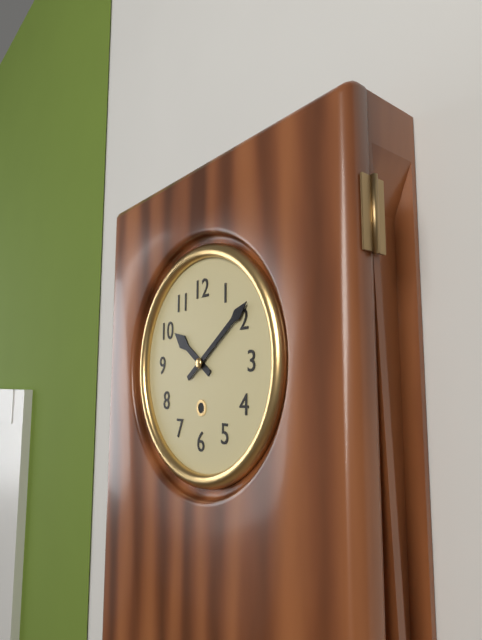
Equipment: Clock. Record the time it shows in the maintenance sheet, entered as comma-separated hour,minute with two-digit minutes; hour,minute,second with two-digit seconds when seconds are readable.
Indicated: 10,09
